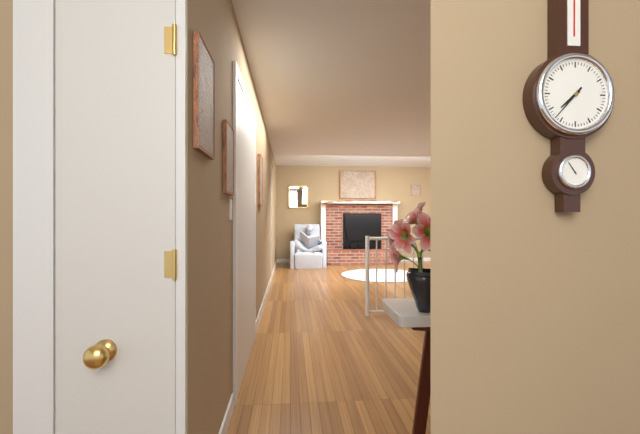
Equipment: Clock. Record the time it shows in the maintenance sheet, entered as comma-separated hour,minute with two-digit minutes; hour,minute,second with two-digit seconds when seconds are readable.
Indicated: 7,37
